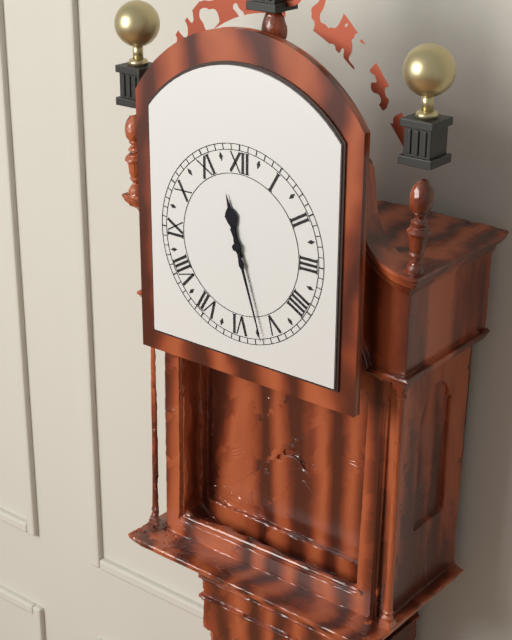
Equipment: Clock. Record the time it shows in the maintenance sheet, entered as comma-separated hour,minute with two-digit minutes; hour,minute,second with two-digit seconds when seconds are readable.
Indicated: 11,27
